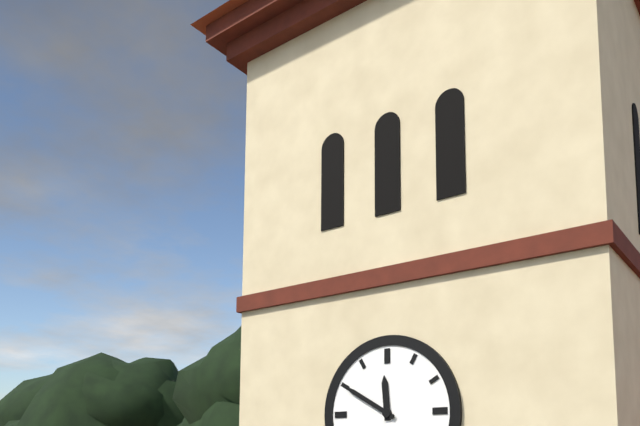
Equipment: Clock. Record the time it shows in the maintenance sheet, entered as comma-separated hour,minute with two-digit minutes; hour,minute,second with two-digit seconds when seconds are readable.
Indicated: 11,50
